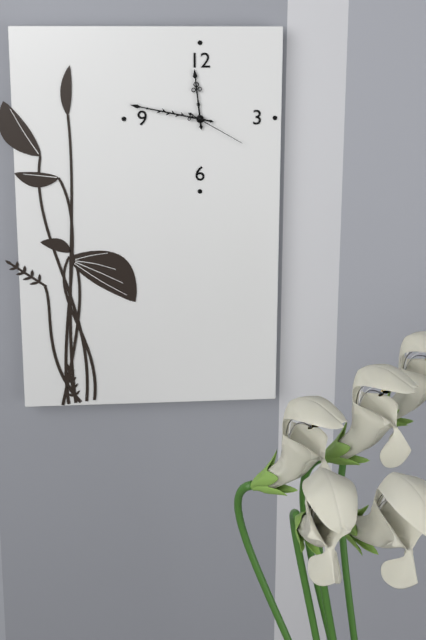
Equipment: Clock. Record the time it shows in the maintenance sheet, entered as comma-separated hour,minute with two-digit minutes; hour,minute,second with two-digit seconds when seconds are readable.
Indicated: 11,47,20
